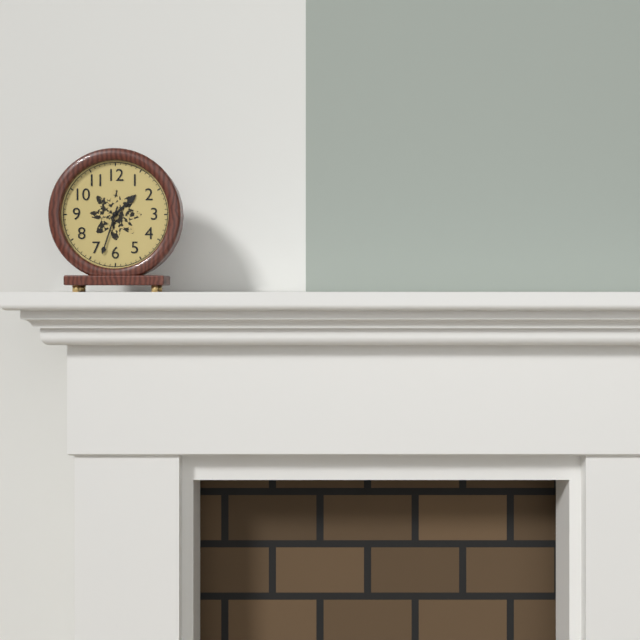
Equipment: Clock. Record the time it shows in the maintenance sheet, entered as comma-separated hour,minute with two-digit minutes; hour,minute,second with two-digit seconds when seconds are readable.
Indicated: 1,33
